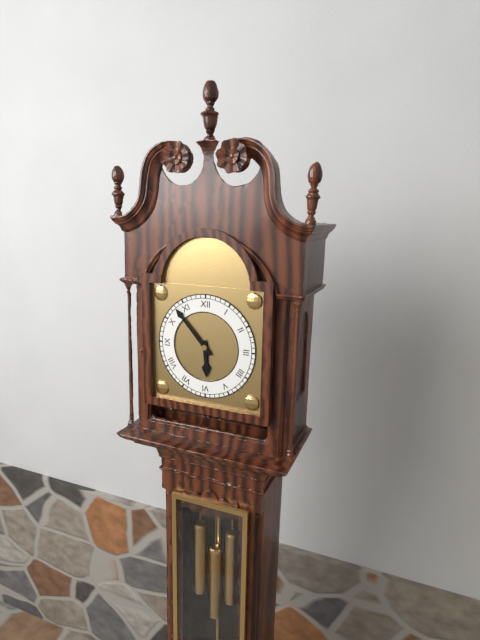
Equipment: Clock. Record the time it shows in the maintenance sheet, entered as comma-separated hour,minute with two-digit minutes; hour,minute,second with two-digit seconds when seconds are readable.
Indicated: 5,53
